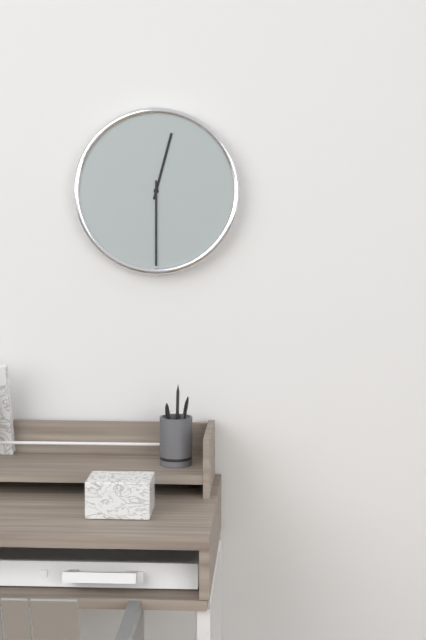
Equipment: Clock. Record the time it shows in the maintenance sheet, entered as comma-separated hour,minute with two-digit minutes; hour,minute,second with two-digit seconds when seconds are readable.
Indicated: 12,30
